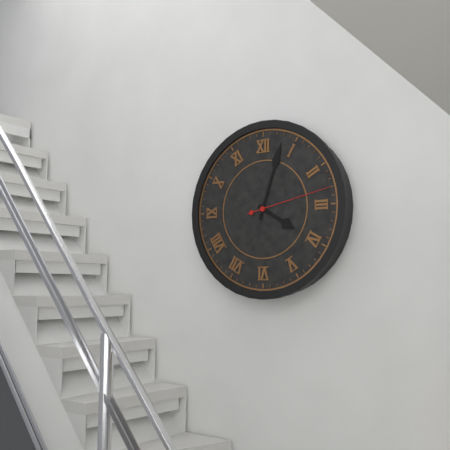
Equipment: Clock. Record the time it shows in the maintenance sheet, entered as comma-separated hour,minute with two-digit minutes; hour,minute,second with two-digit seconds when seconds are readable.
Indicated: 4,03,13
